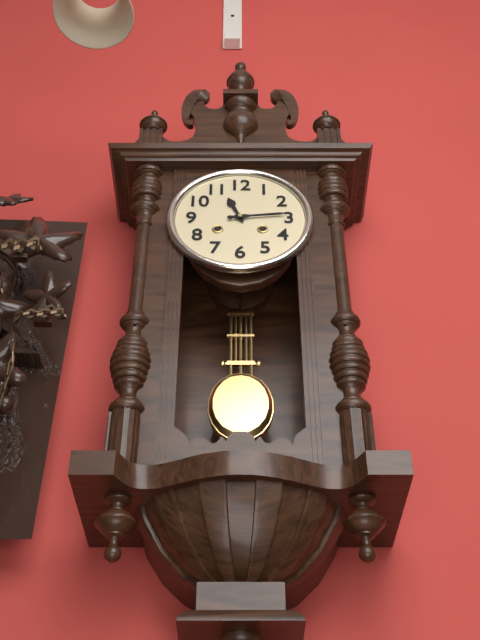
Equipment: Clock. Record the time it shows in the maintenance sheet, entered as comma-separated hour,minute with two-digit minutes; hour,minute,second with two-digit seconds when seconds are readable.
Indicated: 11,14
